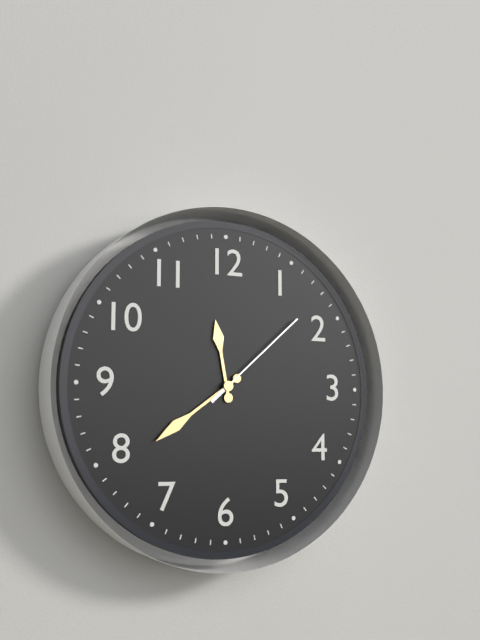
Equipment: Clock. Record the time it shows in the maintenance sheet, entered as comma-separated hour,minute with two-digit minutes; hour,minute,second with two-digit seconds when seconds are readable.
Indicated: 11,39,08
